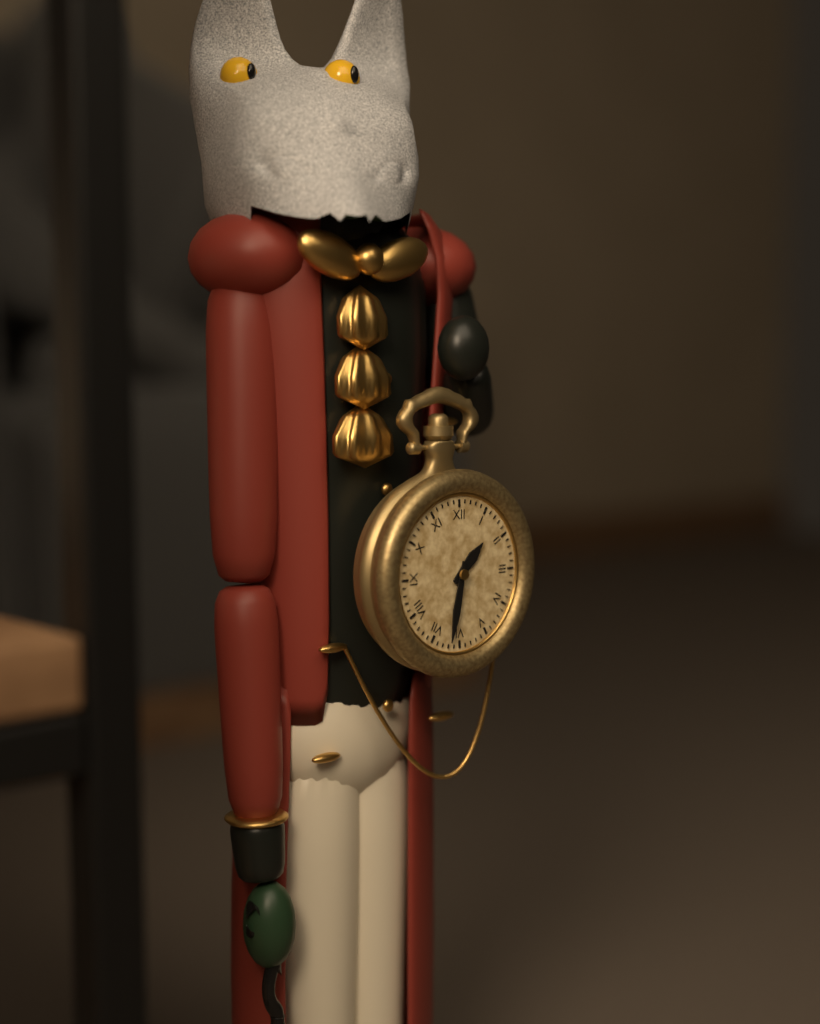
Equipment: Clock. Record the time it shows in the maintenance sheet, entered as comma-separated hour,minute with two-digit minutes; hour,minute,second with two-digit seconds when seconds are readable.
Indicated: 1,32
